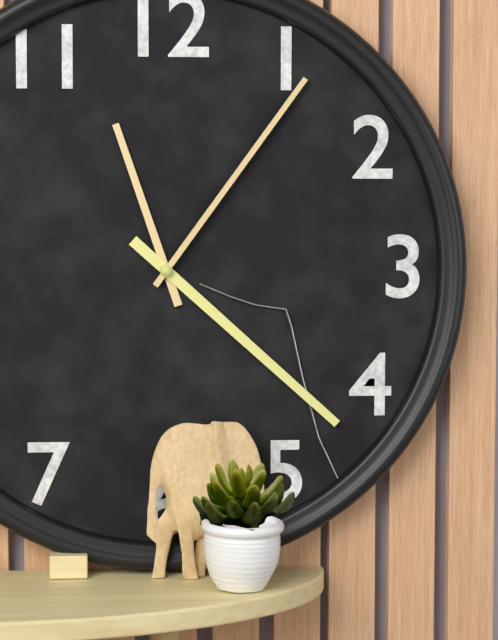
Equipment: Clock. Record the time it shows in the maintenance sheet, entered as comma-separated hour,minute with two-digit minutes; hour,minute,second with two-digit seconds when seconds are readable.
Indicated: 11,22,06
